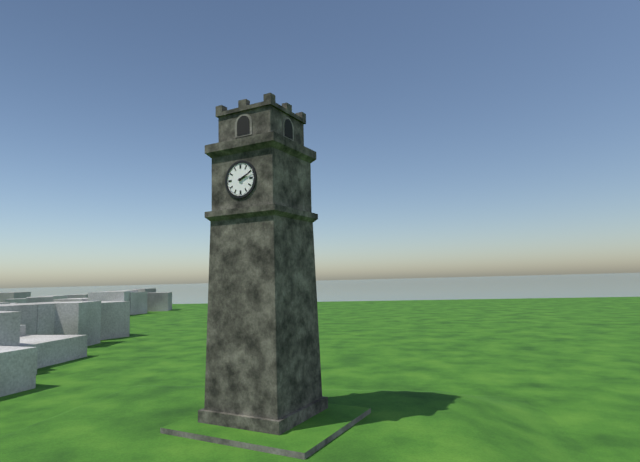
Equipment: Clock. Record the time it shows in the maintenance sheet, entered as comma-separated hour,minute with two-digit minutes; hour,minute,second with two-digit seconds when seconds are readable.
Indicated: 2,11
